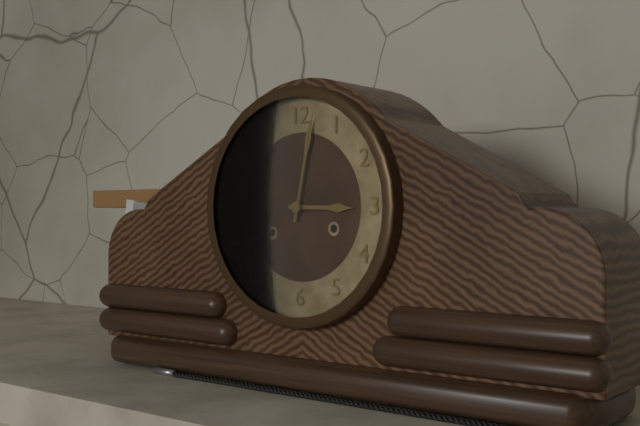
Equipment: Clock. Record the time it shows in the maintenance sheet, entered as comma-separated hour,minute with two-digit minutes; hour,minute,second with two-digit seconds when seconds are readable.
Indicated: 3,02
